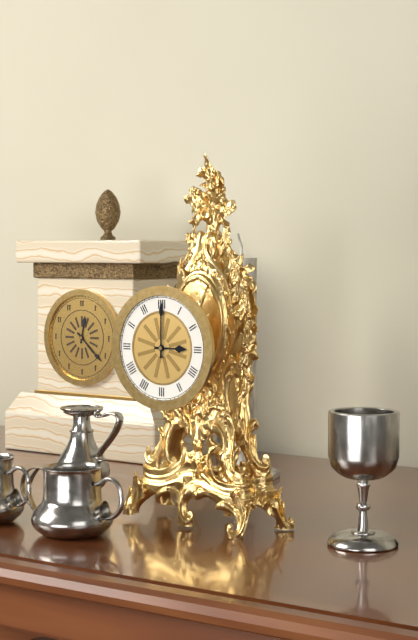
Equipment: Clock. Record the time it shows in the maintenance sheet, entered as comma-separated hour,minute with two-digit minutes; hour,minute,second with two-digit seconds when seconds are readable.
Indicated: 3,00
